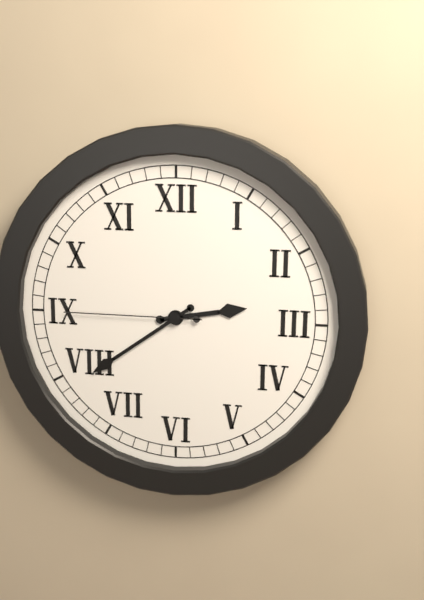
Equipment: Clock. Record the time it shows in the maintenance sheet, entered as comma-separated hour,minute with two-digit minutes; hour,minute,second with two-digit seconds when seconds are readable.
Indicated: 2,39,45
